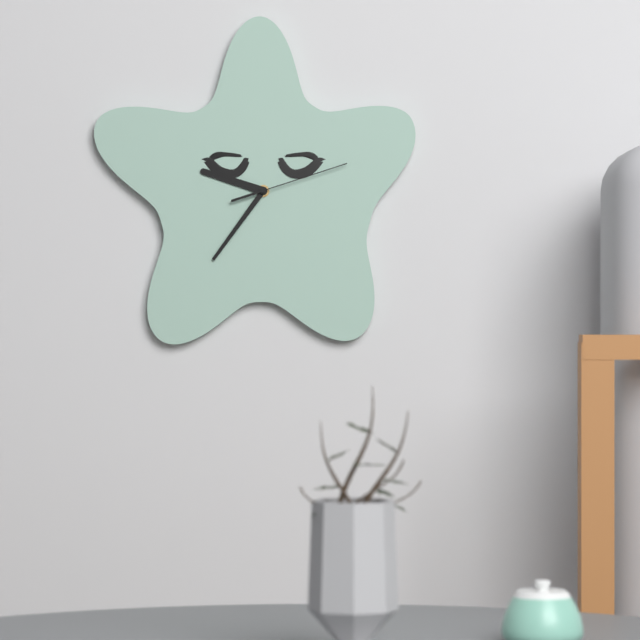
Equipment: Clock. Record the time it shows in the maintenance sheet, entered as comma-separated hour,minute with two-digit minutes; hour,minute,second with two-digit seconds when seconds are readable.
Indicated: 9,36,12
